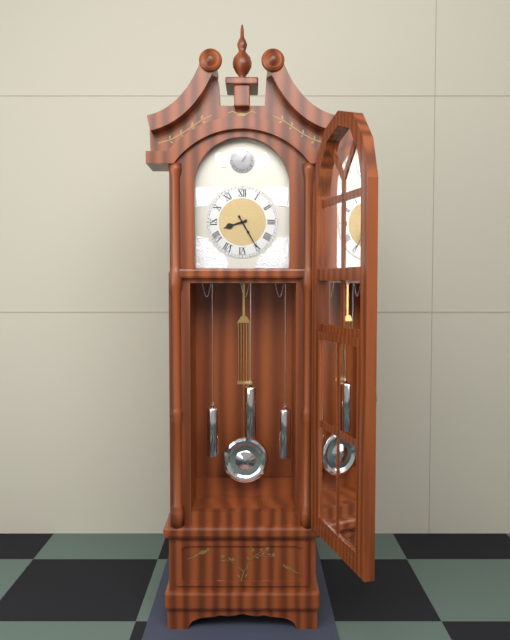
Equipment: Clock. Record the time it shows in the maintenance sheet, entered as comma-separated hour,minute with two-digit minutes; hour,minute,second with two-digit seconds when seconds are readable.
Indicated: 8,25
